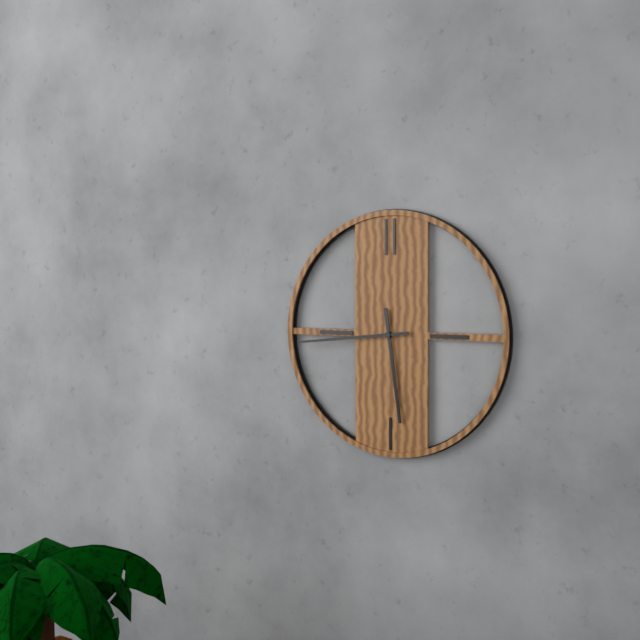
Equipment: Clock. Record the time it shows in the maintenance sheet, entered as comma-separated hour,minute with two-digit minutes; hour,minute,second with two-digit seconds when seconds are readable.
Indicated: 5,44
